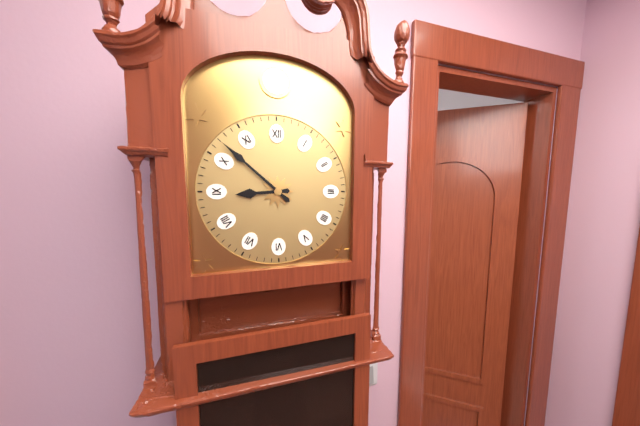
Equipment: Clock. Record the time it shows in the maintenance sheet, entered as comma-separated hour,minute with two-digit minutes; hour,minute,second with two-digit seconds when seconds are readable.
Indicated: 8,52
